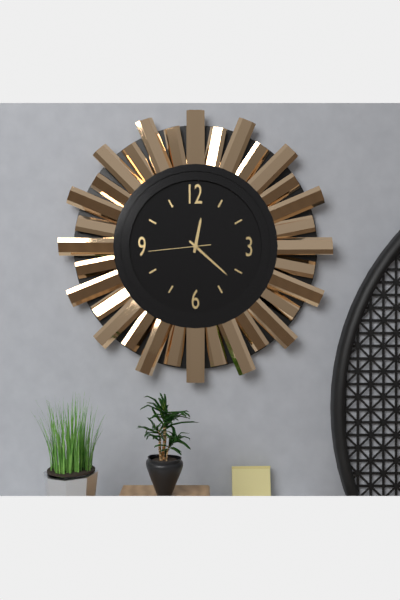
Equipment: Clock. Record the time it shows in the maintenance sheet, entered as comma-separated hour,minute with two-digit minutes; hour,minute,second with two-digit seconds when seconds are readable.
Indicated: 12,22,44
